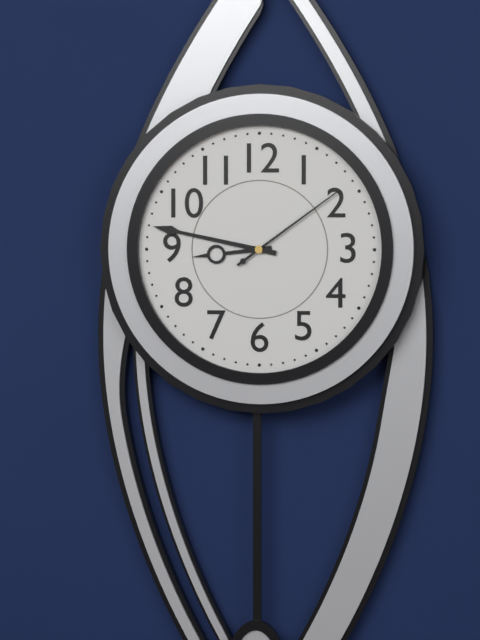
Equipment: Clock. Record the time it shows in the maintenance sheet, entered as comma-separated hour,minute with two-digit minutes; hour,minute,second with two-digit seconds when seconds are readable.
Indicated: 8,47,09
